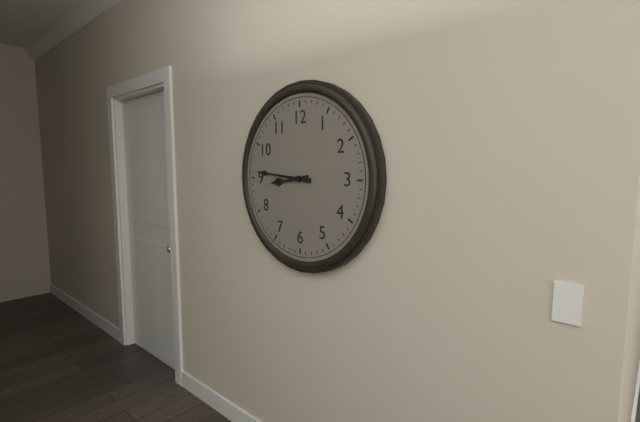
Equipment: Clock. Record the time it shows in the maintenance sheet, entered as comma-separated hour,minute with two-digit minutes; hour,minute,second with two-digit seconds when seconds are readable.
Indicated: 8,46
